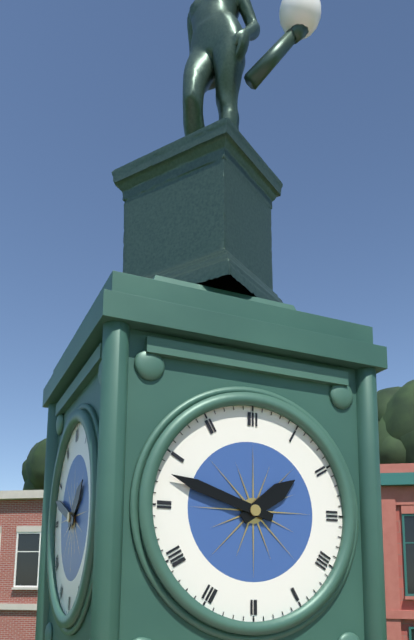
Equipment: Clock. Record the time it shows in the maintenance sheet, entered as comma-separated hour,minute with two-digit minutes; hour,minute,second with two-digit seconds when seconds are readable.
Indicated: 1,48
